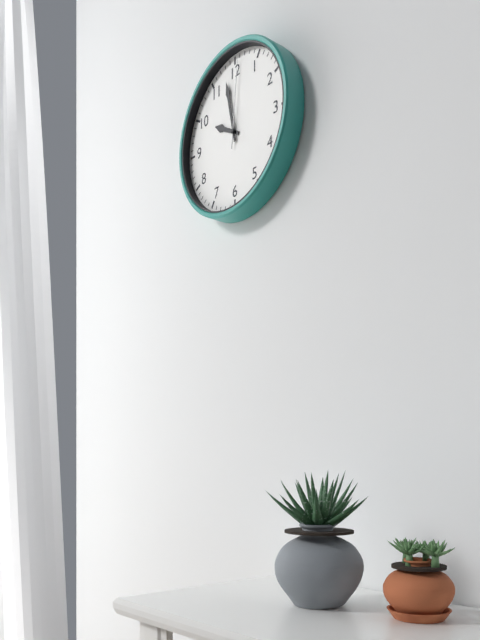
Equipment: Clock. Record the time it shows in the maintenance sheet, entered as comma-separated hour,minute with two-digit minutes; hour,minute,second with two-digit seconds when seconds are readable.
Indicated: 9,58,01
